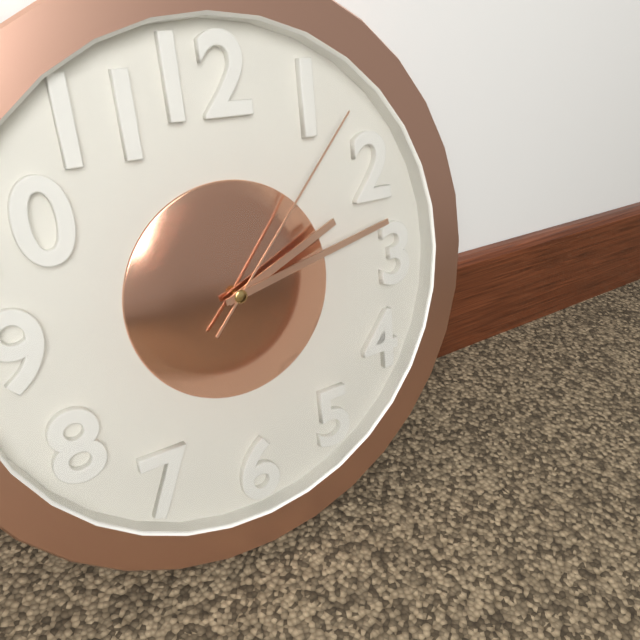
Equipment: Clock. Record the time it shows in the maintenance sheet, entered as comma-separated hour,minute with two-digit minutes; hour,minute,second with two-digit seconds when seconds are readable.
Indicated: 2,13,07
